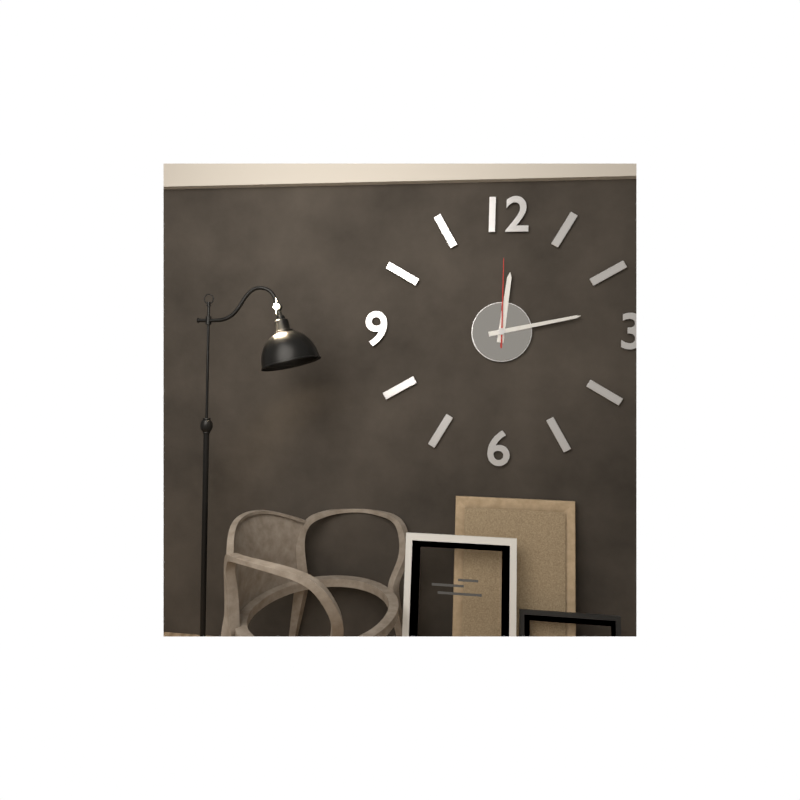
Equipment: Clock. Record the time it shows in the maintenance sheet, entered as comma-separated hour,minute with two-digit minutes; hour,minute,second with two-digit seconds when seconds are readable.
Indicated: 12,13,00
